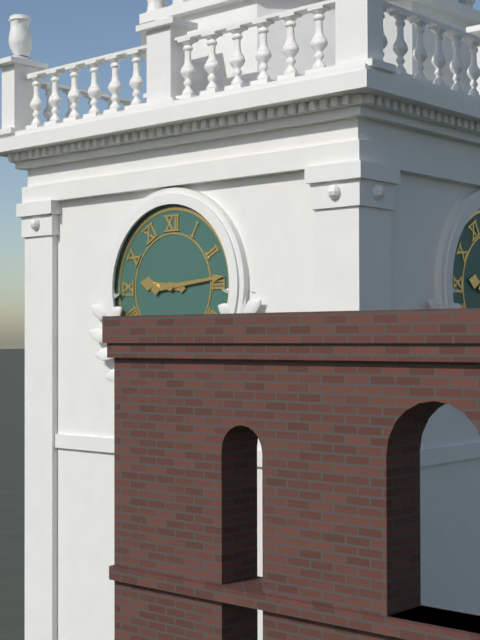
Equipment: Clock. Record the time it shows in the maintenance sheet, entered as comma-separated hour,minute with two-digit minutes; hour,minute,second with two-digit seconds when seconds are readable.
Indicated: 9,14
